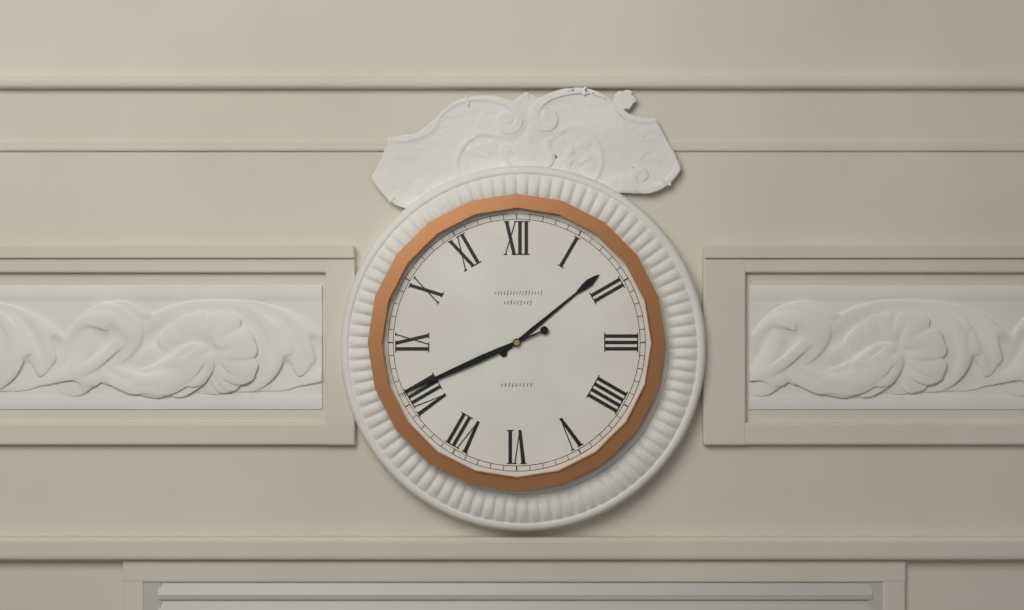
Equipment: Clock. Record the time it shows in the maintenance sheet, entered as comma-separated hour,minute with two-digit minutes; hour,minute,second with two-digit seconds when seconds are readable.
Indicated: 1,41
